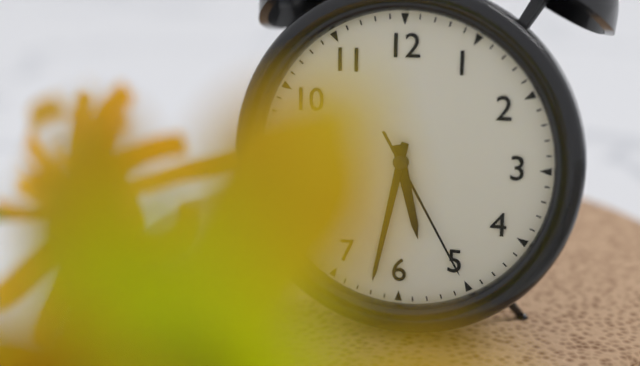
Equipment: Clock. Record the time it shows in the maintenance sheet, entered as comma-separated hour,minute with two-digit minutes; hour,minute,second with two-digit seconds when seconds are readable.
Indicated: 5,32,25
